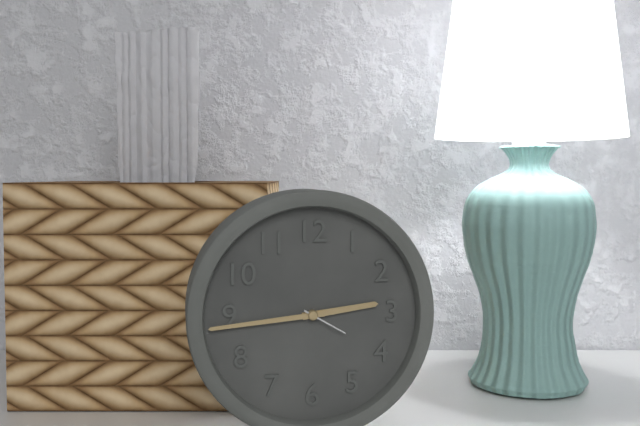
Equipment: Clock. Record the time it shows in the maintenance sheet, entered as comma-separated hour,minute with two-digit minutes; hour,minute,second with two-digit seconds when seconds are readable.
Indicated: 2,44
